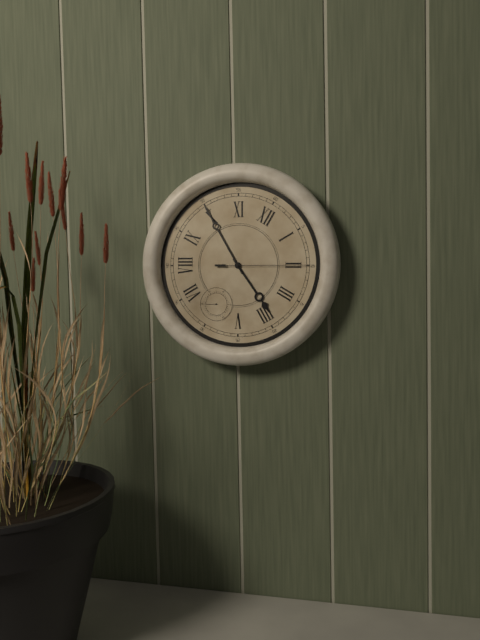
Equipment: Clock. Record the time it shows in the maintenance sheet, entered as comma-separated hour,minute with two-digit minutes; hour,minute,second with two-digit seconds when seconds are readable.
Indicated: 3,50,10
